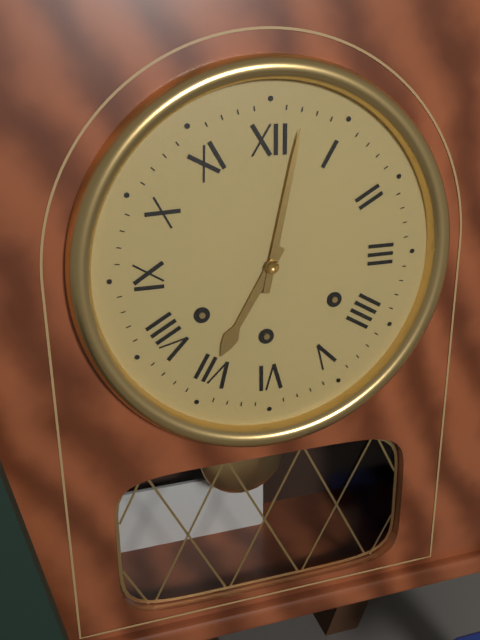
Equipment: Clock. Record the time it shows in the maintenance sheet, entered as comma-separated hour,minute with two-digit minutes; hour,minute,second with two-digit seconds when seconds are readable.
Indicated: 7,02
